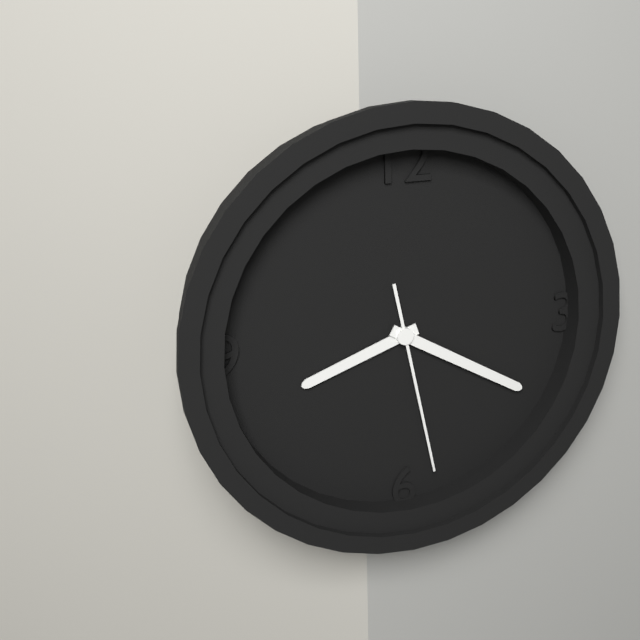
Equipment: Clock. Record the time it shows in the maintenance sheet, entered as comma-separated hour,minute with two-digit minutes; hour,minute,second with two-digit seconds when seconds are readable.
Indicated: 8,20,28
